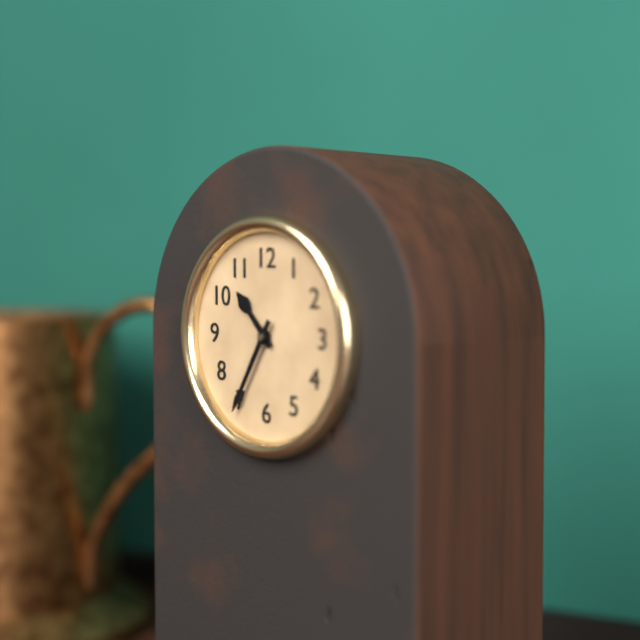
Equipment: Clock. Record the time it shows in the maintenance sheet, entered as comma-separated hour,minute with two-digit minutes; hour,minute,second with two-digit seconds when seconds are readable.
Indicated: 10,35
